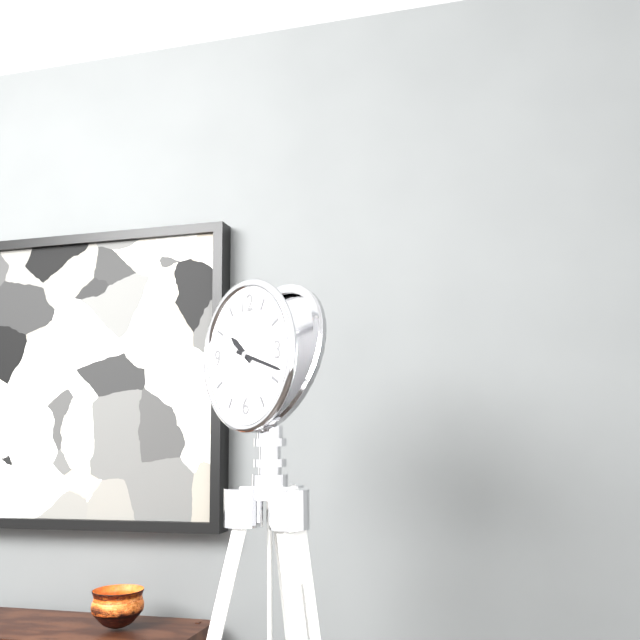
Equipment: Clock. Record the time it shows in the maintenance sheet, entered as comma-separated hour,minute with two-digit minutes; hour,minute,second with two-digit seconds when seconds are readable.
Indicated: 10,18
